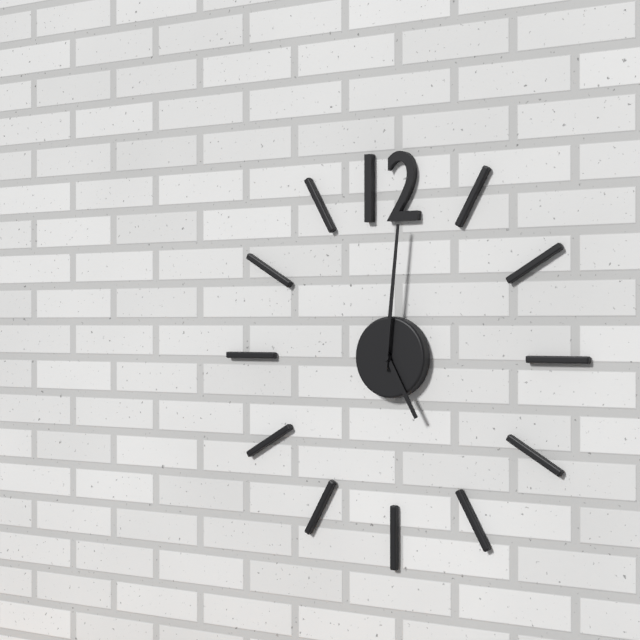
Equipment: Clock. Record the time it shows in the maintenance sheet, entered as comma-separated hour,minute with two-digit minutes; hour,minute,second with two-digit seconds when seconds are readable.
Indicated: 5,01
